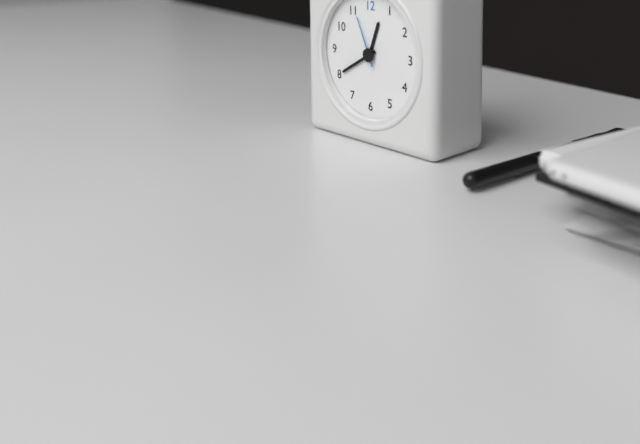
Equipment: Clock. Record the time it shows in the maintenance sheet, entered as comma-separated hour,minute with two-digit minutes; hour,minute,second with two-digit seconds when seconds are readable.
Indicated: 12,40,56
